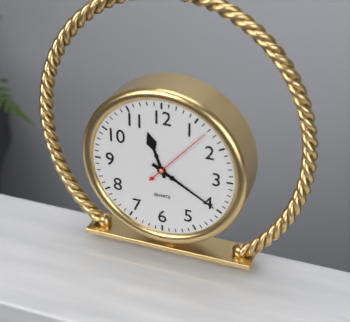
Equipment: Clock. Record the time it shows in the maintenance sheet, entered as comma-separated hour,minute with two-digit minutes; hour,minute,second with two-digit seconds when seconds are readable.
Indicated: 11,20,07
